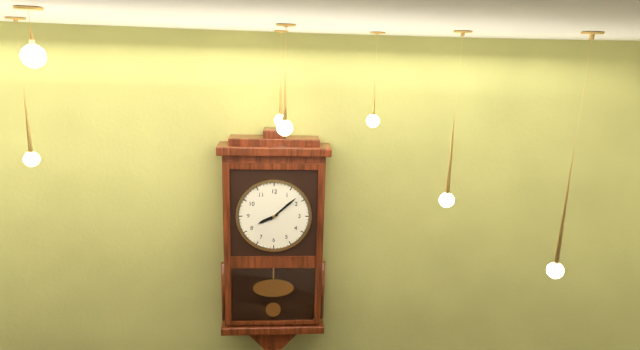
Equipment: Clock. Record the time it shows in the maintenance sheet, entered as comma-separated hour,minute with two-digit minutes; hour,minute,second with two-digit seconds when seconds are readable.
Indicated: 8,08
